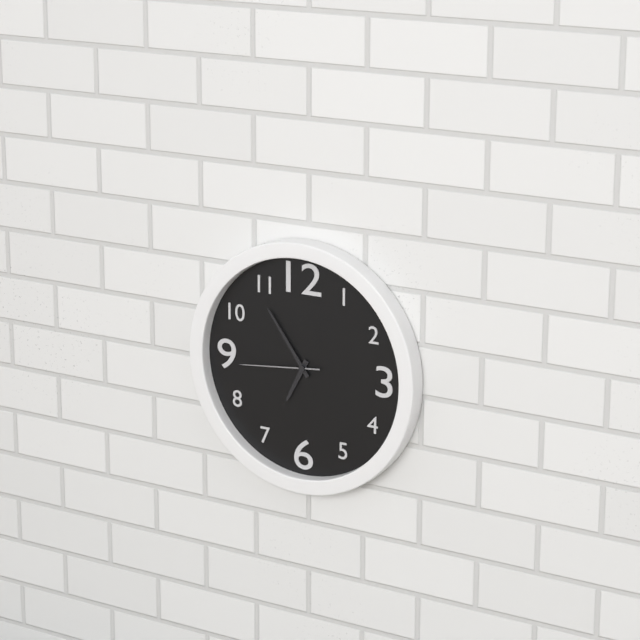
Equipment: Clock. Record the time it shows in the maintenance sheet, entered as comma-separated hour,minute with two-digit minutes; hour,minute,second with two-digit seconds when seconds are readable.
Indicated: 6,54,44
